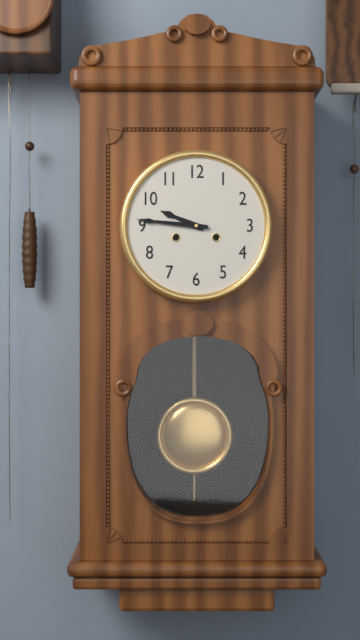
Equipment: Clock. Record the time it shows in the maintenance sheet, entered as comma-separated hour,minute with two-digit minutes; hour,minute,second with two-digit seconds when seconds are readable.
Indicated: 9,46
